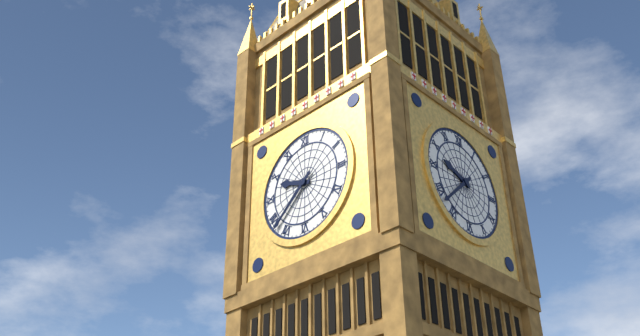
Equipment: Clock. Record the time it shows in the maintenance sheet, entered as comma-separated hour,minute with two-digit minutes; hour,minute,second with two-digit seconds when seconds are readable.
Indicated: 9,38
